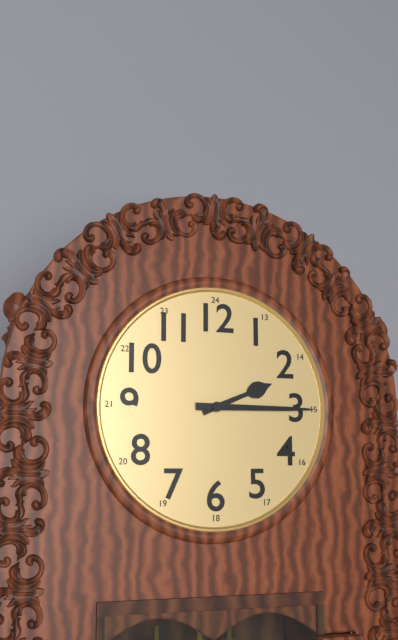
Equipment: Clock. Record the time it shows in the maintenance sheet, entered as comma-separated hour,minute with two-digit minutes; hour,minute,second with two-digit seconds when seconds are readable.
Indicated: 2,15
